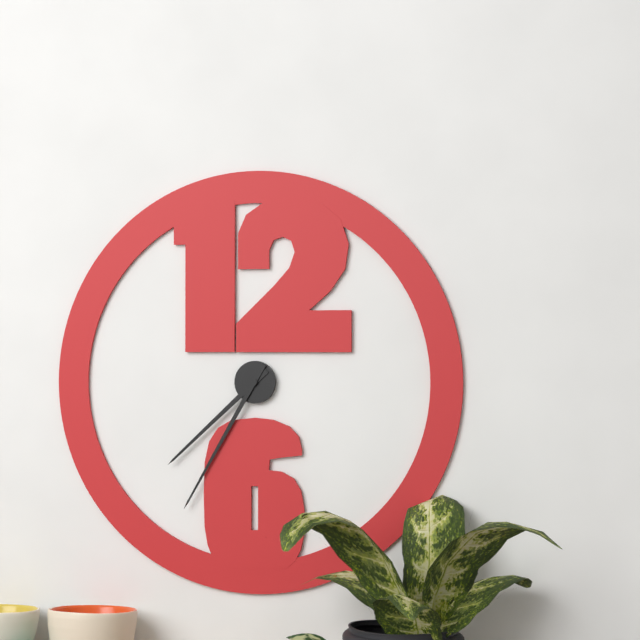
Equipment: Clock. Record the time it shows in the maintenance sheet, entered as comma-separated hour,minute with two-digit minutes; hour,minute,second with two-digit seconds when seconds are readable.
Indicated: 7,35
